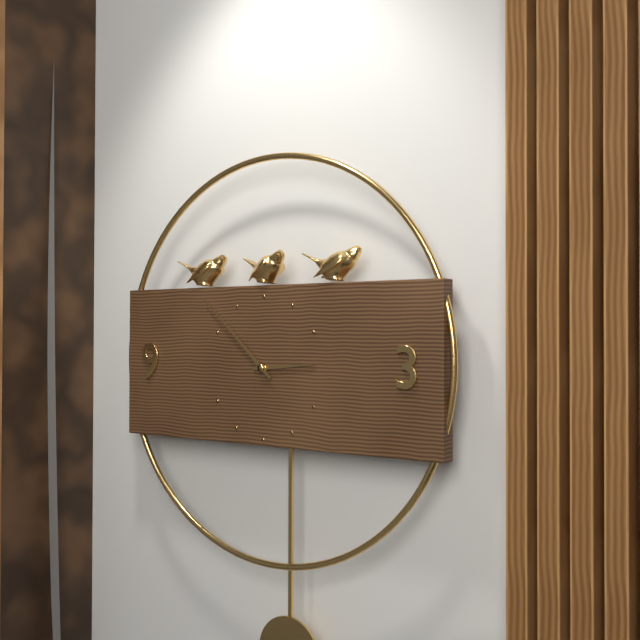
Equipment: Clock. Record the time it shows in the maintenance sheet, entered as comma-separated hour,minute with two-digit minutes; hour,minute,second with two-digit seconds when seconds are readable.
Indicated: 2,52
